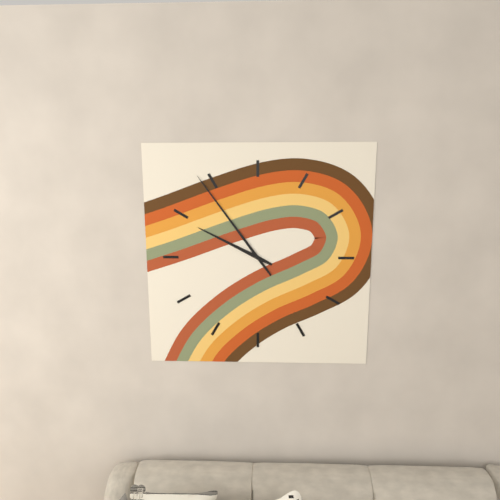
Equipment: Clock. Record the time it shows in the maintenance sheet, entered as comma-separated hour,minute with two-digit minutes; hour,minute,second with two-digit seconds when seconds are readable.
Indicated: 9,54
